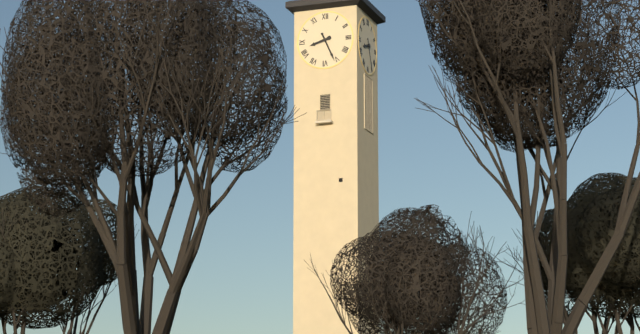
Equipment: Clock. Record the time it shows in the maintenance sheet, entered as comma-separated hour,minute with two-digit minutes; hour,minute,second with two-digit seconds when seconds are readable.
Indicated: 8,26
